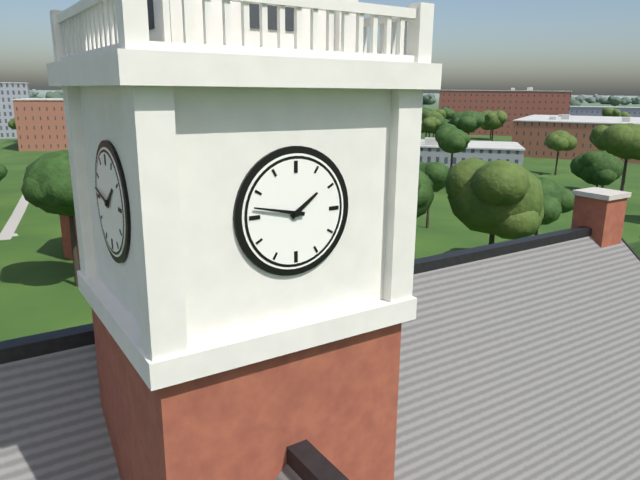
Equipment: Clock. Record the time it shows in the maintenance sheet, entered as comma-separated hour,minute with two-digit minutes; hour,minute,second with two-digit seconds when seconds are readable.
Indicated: 1,47
